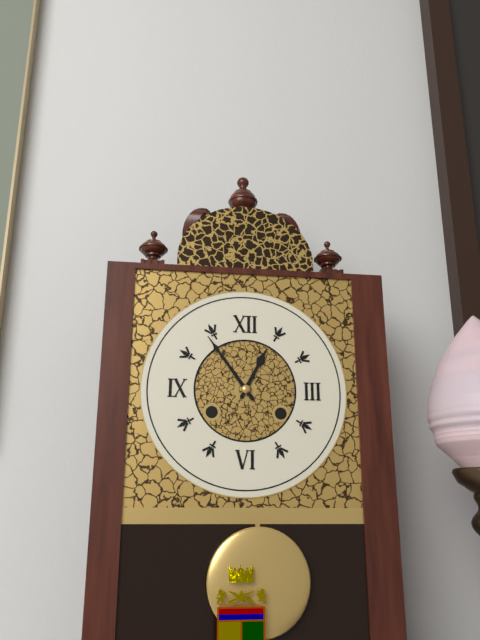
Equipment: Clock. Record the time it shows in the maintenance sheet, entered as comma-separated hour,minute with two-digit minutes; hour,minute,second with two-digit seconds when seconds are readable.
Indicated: 12,54
